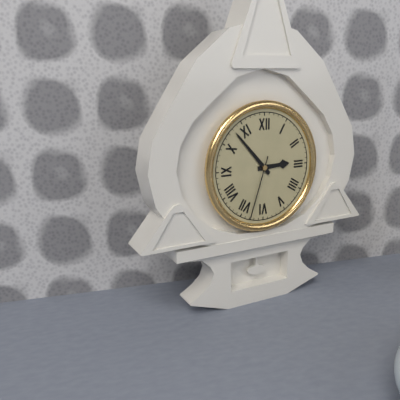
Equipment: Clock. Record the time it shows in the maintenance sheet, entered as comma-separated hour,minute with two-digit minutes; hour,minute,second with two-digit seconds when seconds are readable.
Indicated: 2,53,33
